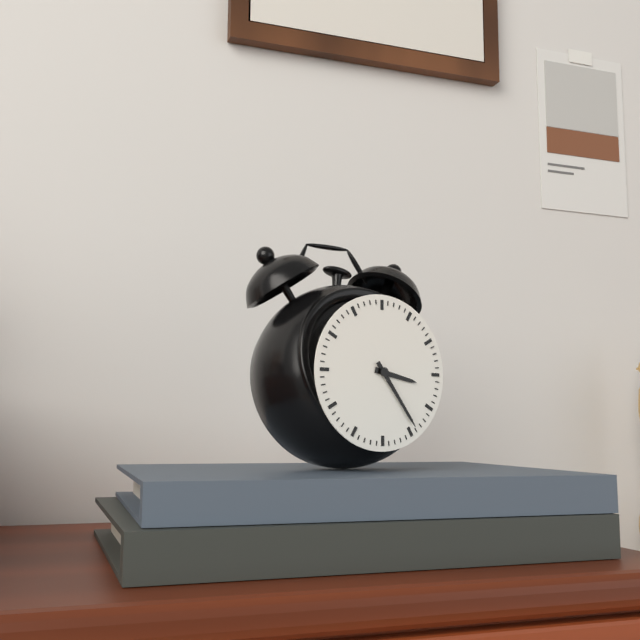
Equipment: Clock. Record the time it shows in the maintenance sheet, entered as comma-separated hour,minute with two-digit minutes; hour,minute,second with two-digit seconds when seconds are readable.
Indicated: 3,24
